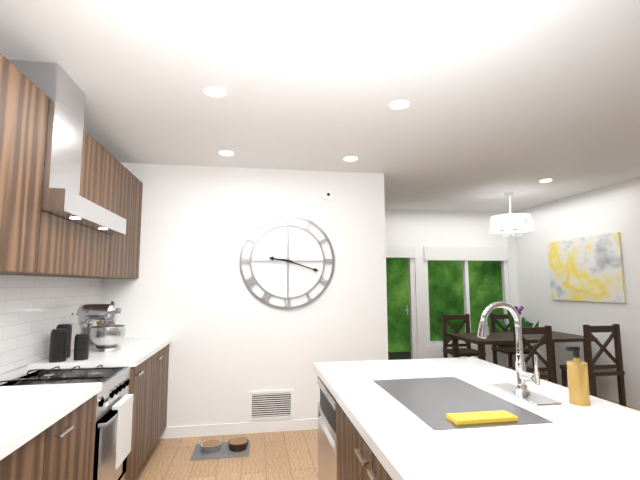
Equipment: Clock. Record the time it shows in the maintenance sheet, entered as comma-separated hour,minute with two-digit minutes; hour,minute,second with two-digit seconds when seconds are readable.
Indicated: 9,18
